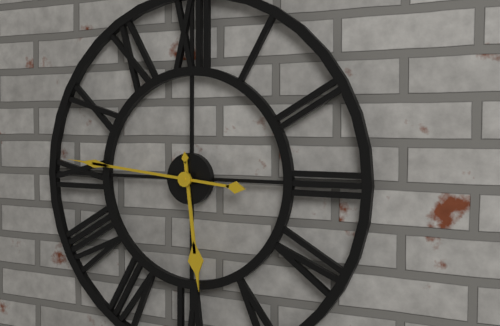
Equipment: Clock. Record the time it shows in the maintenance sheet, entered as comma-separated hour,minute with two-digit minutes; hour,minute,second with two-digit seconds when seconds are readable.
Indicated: 5,46
